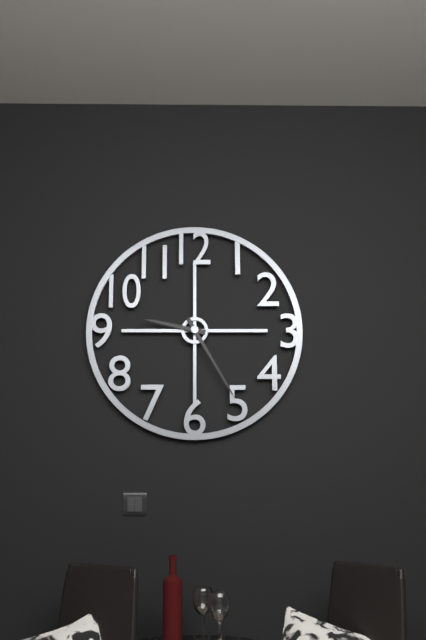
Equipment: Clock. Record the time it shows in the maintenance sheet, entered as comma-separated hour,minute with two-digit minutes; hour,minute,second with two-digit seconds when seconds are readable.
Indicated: 9,25
